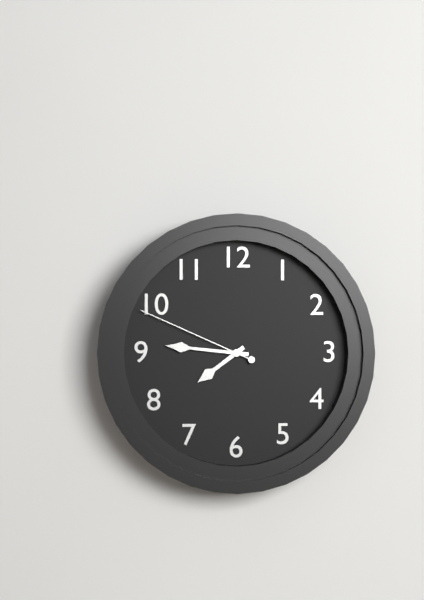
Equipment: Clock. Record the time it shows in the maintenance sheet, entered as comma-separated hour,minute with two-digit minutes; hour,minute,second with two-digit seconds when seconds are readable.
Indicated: 7,46,49
